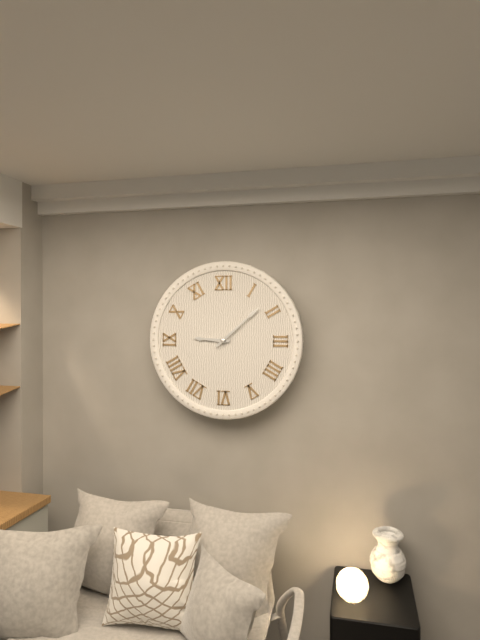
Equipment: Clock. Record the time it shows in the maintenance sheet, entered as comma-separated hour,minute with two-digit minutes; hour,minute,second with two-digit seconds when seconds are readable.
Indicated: 9,08
